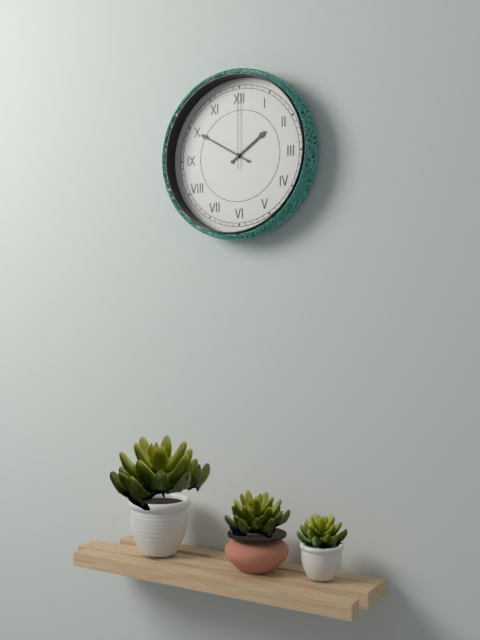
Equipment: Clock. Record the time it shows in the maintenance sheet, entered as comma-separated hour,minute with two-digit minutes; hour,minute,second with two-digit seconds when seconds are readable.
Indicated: 1,50,00
